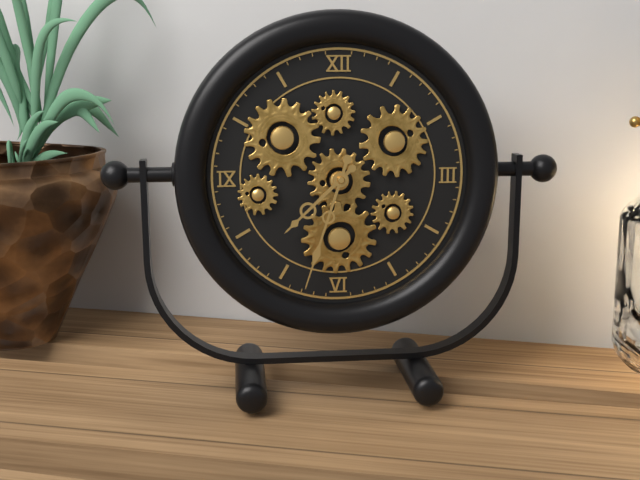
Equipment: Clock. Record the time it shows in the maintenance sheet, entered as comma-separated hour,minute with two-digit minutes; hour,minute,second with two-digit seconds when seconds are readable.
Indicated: 7,33
